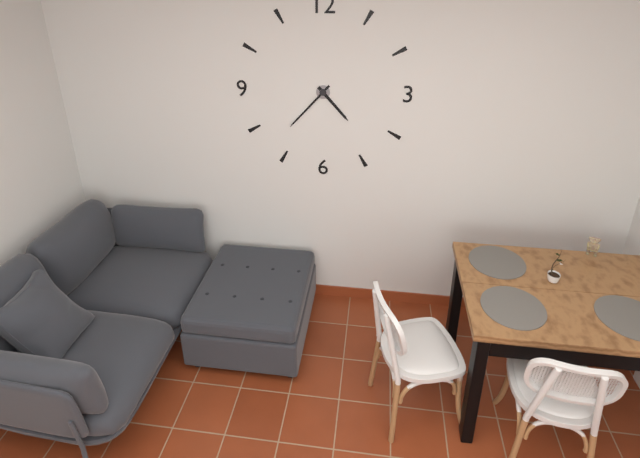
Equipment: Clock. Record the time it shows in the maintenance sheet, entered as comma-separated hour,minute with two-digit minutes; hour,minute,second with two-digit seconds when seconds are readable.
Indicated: 4,37
